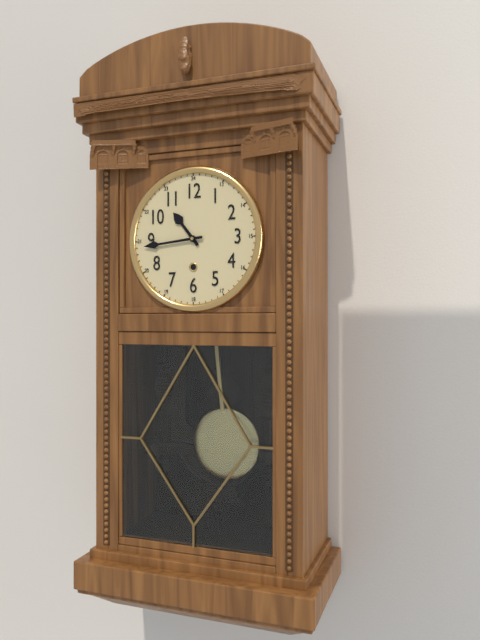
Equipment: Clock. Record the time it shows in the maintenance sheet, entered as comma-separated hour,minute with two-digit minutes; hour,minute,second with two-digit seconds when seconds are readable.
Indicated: 10,44
